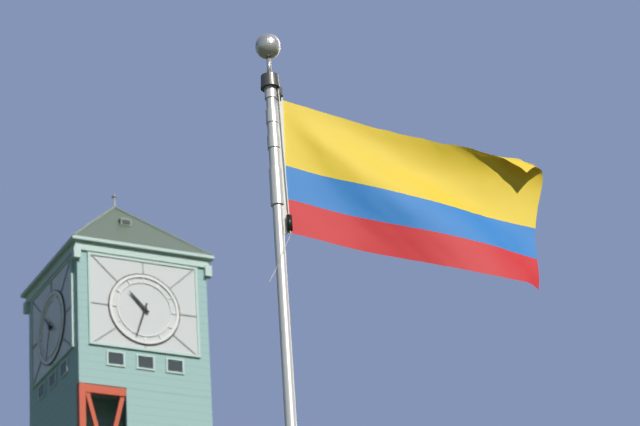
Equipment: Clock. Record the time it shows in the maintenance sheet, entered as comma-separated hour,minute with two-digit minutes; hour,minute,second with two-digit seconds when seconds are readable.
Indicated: 10,33
